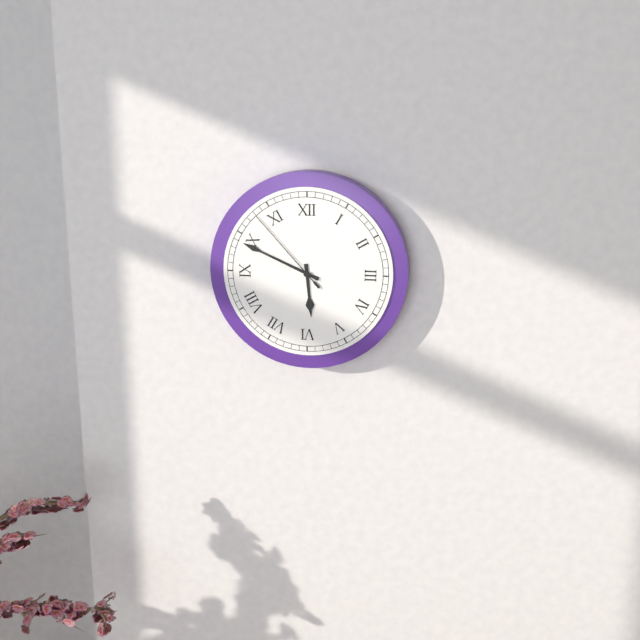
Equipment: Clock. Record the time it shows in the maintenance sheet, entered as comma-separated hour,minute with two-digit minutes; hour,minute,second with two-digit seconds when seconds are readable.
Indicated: 5,49,53
